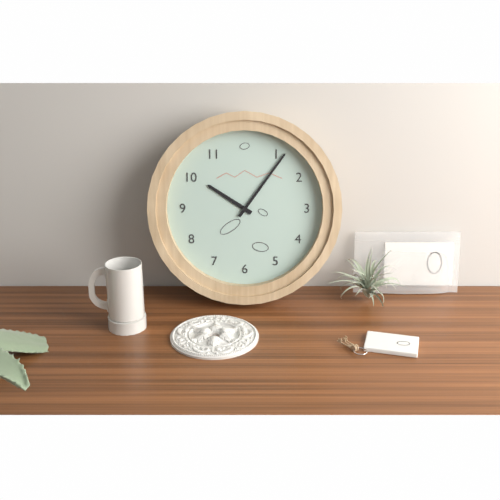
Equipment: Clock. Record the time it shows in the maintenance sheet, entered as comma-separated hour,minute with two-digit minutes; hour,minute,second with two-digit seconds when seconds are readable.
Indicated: 10,06
